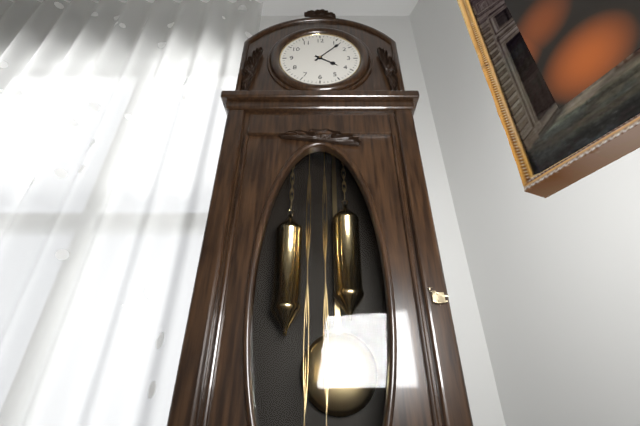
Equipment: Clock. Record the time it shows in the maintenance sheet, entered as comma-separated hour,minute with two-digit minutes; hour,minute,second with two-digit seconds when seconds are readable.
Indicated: 4,07
